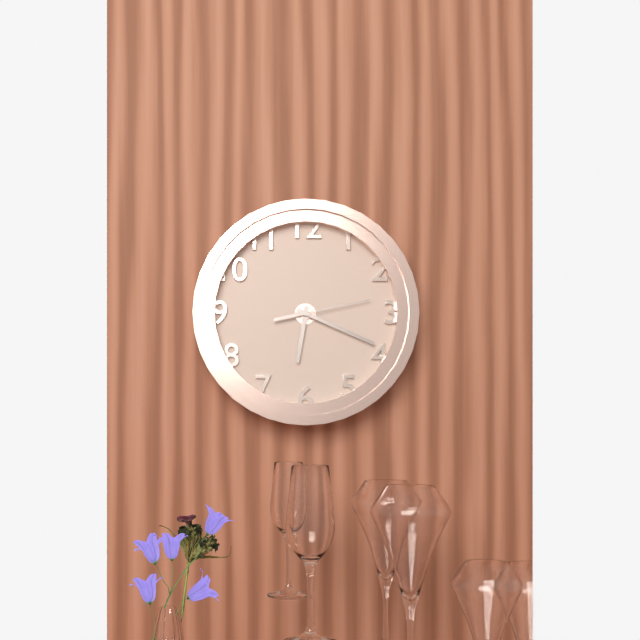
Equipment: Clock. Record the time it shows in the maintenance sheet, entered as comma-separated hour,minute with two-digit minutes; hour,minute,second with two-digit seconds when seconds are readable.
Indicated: 6,19,13
